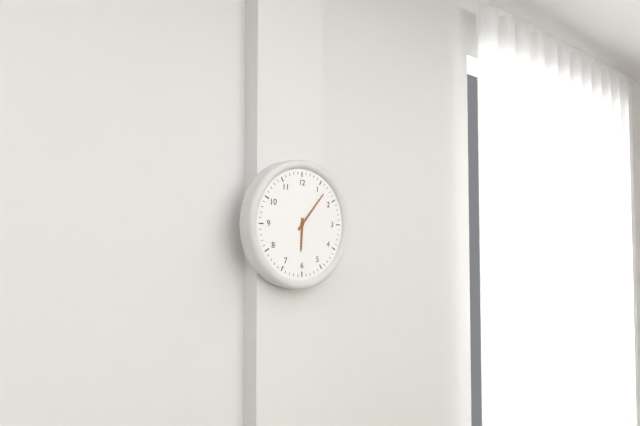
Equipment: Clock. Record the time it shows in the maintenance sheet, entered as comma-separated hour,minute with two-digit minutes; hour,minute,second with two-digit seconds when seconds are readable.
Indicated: 6,07
